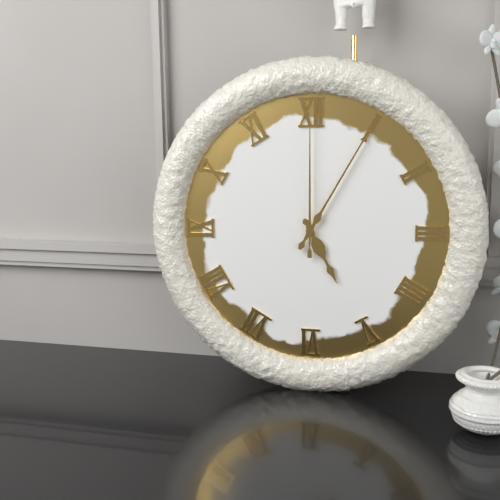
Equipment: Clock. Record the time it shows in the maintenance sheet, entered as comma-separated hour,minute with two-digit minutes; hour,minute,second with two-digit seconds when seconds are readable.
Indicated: 5,05,00
